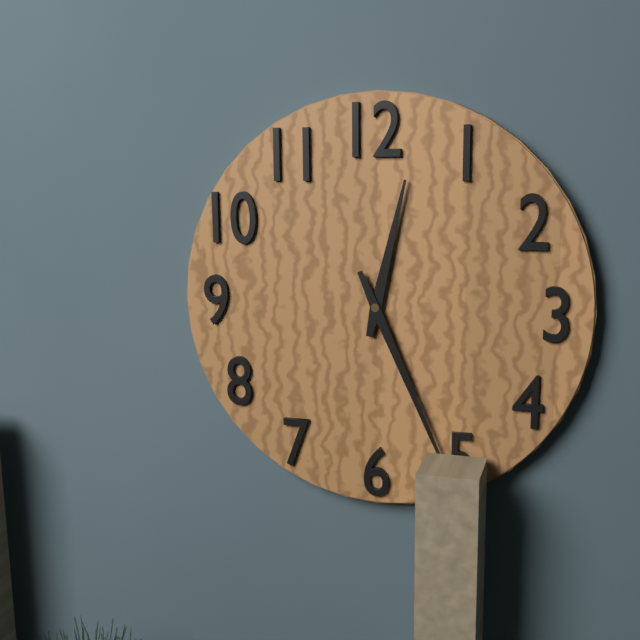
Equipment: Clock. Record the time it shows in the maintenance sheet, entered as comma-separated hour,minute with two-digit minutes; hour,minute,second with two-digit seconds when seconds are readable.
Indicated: 12,26
